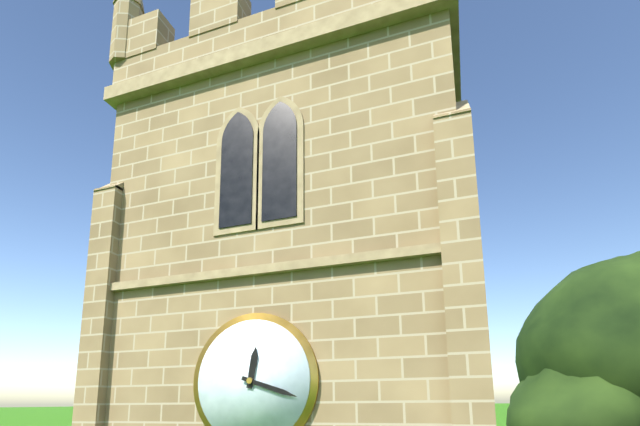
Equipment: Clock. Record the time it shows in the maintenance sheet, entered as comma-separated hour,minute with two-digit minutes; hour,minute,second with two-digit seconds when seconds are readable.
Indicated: 12,18
